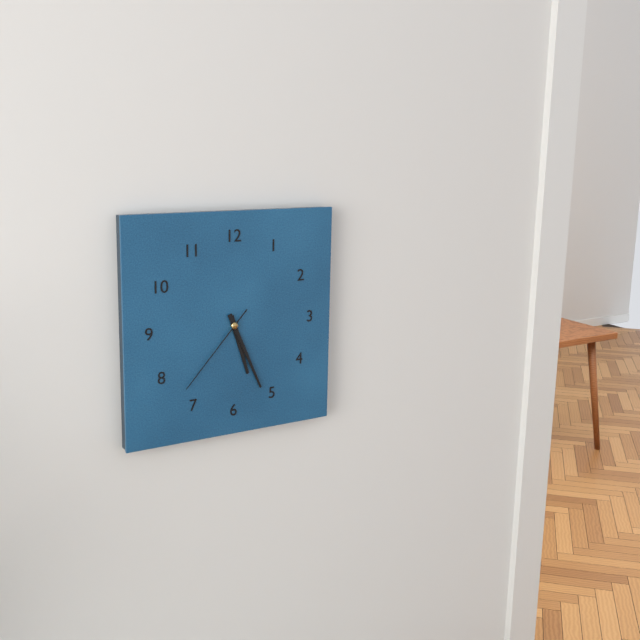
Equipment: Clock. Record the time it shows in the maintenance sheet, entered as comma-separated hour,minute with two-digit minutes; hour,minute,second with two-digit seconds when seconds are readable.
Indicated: 5,26,37
